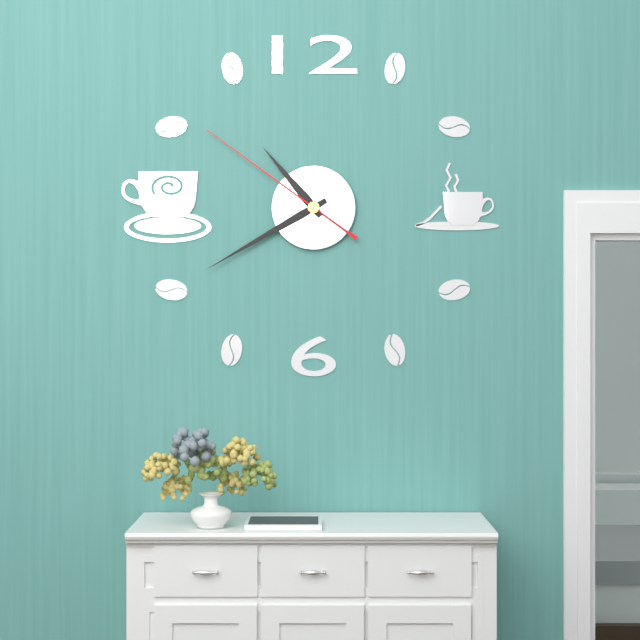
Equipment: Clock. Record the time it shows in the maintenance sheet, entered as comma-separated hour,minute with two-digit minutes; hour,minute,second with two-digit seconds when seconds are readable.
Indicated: 10,40,51
